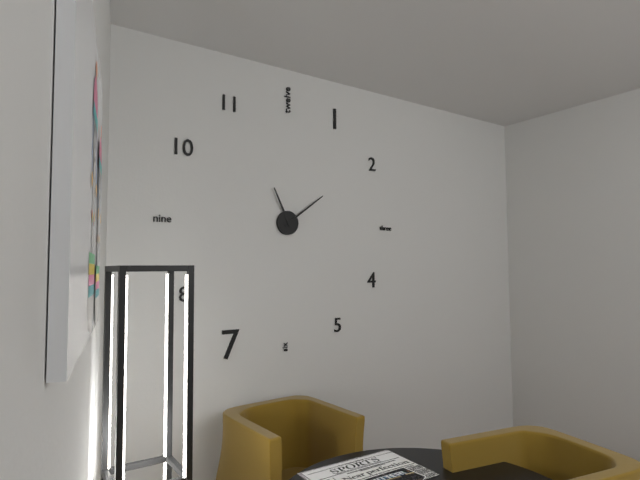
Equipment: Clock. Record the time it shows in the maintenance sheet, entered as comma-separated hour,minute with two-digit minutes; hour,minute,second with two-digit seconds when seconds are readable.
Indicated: 11,09
